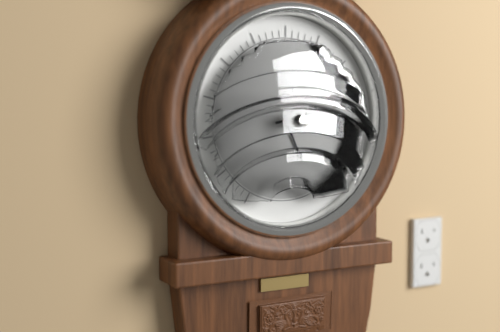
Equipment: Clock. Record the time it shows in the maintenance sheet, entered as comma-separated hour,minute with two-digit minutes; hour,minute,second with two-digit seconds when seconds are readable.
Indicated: 5,13
